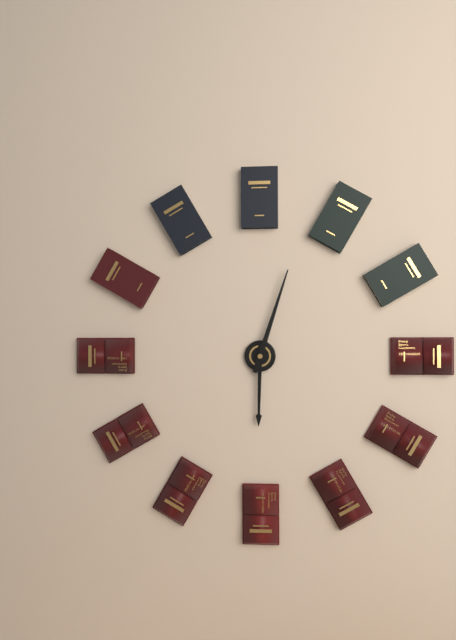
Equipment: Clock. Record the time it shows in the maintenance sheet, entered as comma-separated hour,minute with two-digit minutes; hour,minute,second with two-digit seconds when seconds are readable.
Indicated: 6,03
